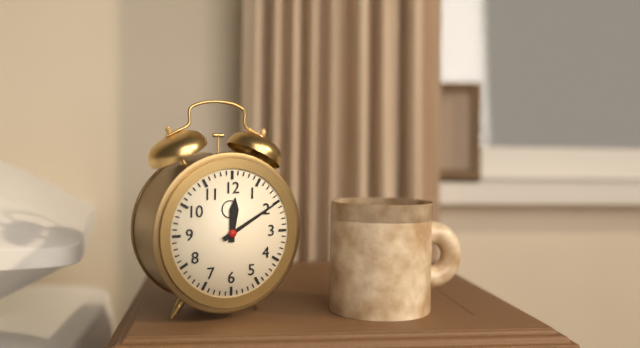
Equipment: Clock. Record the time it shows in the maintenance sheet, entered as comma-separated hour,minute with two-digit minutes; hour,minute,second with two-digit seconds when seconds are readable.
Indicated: 12,10
